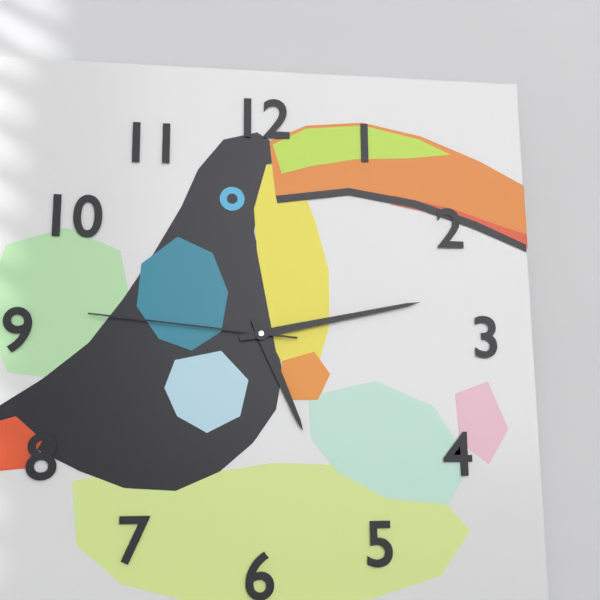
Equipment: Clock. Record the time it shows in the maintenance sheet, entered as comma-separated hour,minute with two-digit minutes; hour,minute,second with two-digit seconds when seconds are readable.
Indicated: 5,13,46
